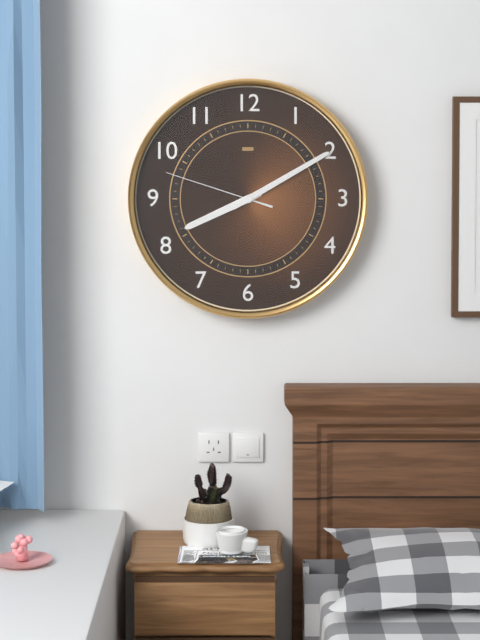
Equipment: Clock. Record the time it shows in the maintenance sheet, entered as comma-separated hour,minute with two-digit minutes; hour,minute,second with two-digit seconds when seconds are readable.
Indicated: 8,10,48
